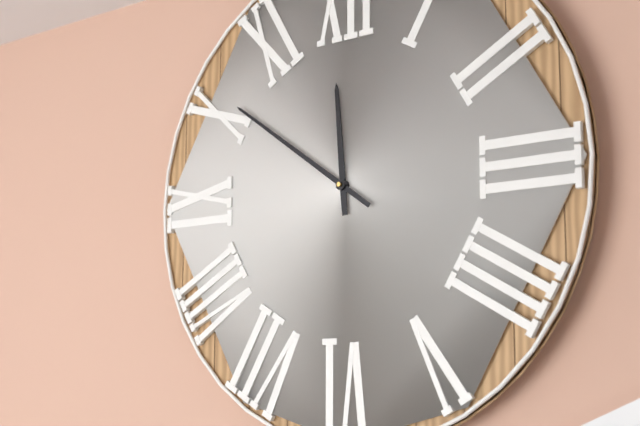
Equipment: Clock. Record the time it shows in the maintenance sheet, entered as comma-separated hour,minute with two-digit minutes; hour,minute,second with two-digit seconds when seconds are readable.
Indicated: 11,51
